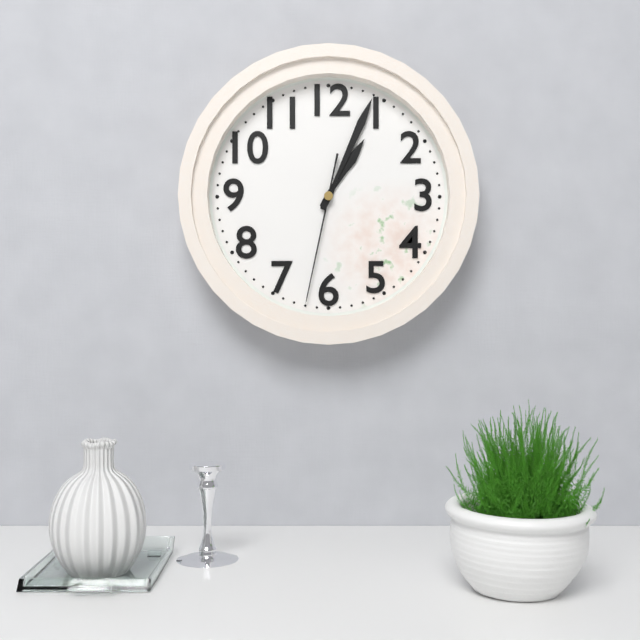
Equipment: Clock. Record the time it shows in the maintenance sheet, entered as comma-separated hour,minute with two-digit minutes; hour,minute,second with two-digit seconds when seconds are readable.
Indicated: 1,04,32
